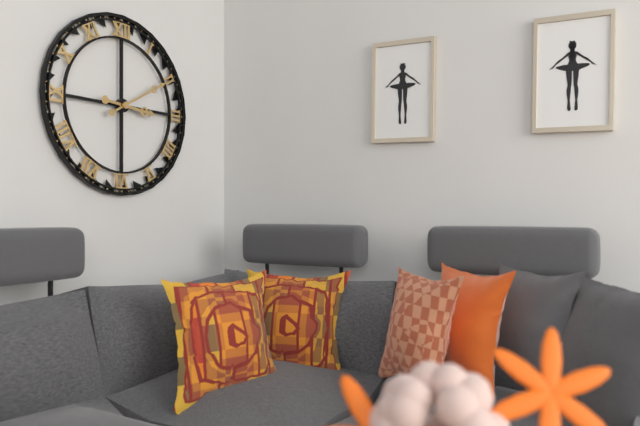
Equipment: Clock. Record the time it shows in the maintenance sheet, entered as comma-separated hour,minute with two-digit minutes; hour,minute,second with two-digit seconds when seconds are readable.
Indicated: 3,10
